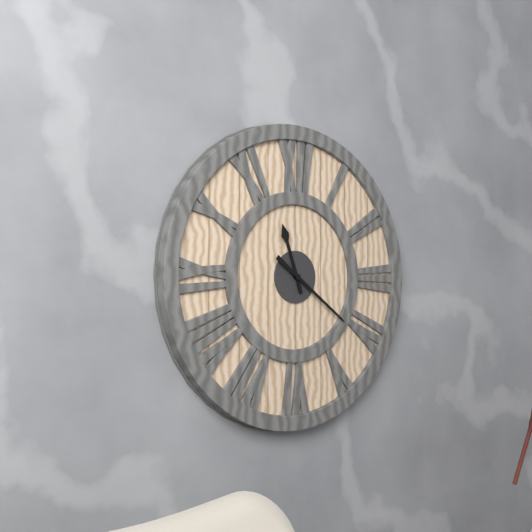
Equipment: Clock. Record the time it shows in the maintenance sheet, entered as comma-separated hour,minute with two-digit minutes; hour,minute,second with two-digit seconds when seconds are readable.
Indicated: 11,21
